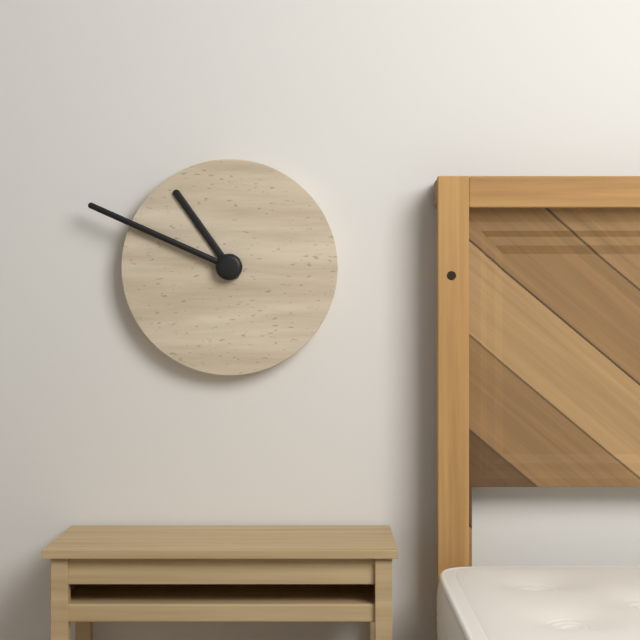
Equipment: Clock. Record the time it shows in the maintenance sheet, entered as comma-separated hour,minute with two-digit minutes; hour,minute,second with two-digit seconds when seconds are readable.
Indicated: 10,49
